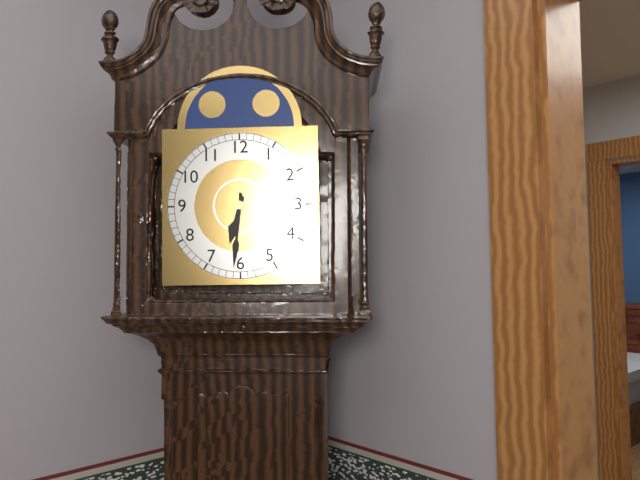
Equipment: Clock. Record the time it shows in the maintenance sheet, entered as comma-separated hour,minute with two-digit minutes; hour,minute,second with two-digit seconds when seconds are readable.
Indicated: 6,31
